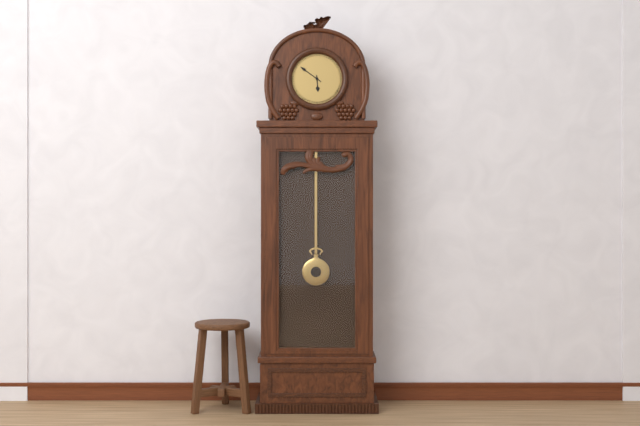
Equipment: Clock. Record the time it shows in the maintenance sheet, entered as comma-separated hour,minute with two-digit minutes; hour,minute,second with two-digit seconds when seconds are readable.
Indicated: 5,51
